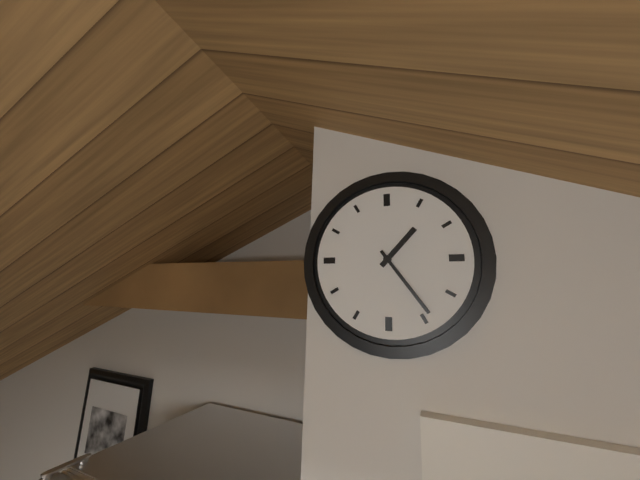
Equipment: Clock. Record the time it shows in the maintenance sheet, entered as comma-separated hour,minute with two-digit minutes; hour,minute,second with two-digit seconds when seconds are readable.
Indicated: 1,24
